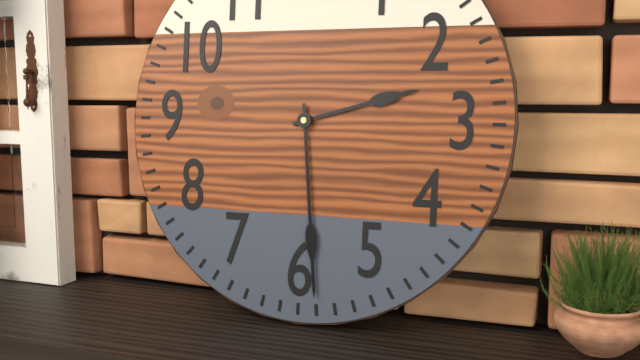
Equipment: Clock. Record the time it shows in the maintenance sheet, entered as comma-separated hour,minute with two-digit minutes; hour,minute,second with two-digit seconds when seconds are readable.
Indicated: 2,29
